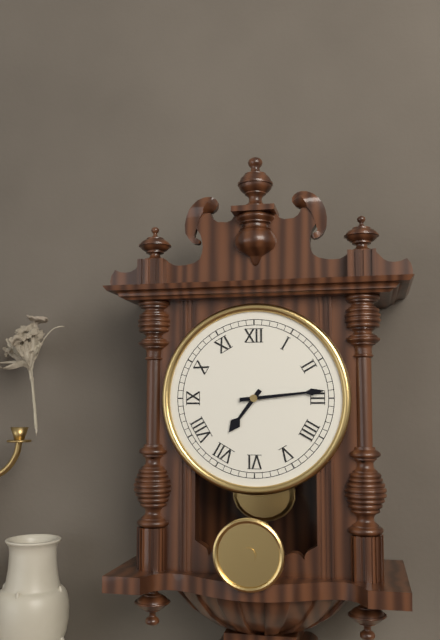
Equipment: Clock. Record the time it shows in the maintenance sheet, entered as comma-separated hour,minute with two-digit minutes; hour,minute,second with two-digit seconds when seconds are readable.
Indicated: 7,14
